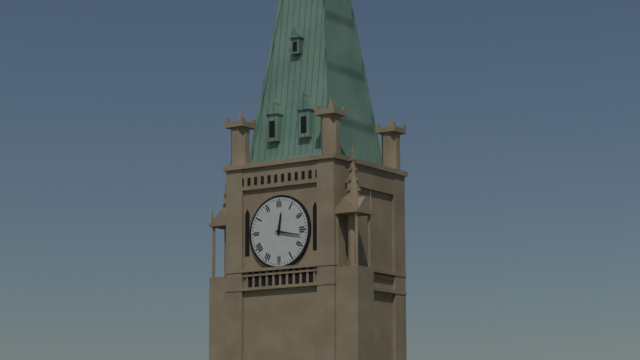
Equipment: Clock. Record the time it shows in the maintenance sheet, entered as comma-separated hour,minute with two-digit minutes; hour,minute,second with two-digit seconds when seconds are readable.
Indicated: 12,17
